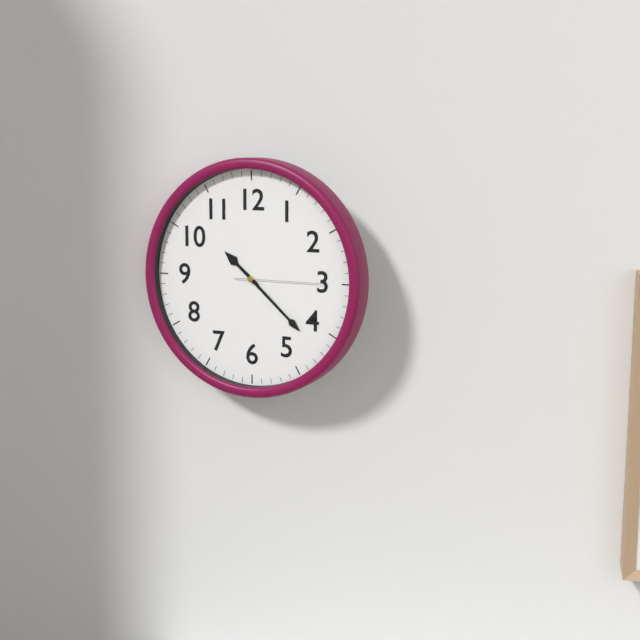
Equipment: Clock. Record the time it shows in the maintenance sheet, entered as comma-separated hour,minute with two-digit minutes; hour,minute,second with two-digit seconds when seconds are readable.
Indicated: 10,22,15
